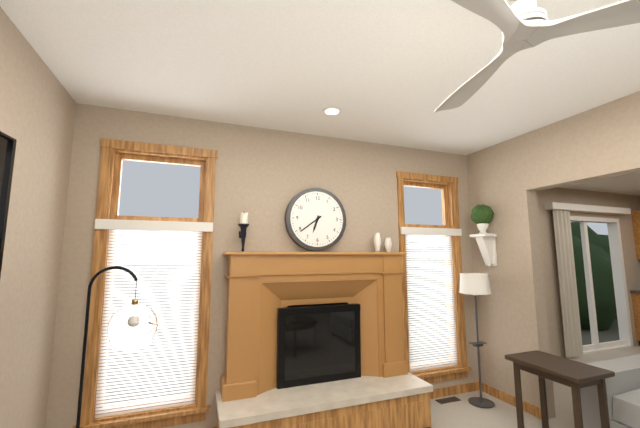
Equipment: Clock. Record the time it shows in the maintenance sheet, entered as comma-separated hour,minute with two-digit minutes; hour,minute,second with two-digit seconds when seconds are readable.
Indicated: 6,39
